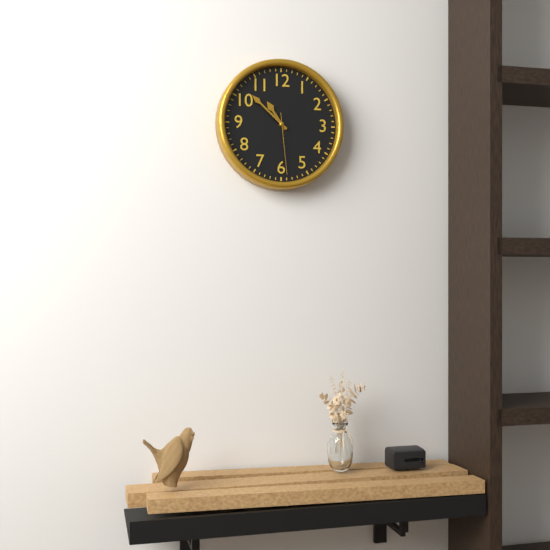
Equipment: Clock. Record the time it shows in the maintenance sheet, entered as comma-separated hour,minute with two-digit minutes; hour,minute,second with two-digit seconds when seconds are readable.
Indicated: 10,52,29
